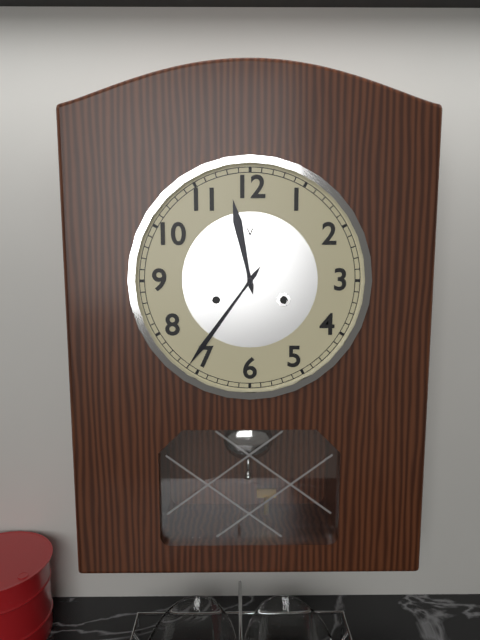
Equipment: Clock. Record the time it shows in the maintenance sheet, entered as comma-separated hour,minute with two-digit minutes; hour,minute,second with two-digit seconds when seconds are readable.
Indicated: 11,36
